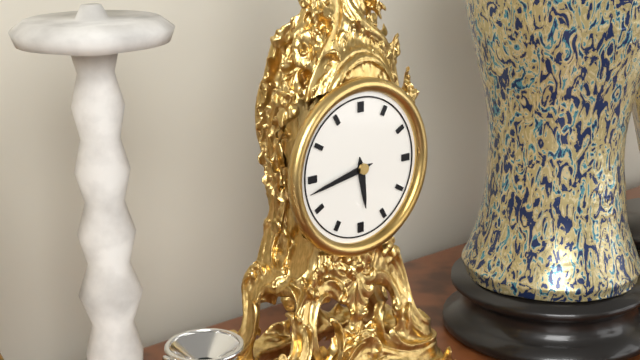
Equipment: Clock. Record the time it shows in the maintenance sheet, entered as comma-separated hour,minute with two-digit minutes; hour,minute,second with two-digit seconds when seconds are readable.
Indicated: 5,43
